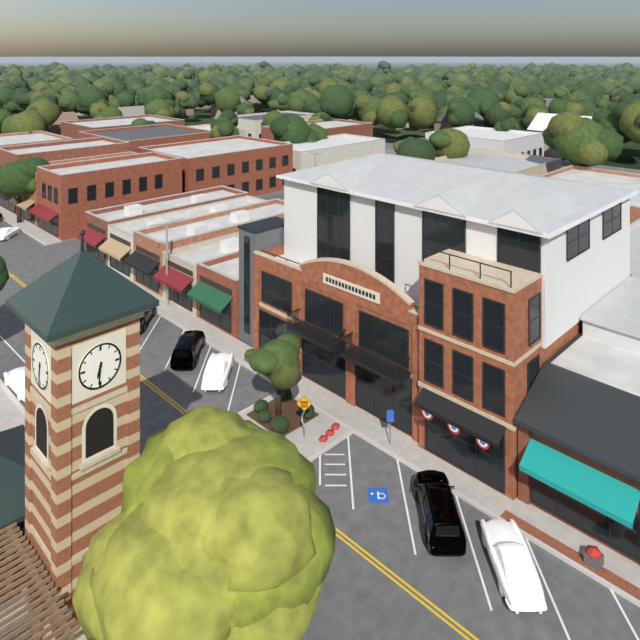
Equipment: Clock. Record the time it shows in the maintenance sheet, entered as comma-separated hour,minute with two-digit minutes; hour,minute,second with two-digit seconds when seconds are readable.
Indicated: 6,31
